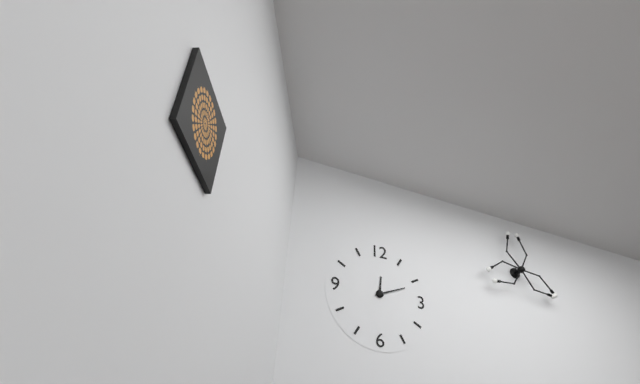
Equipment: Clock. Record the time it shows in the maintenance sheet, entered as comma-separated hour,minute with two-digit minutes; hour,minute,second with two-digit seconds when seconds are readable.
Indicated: 12,11
